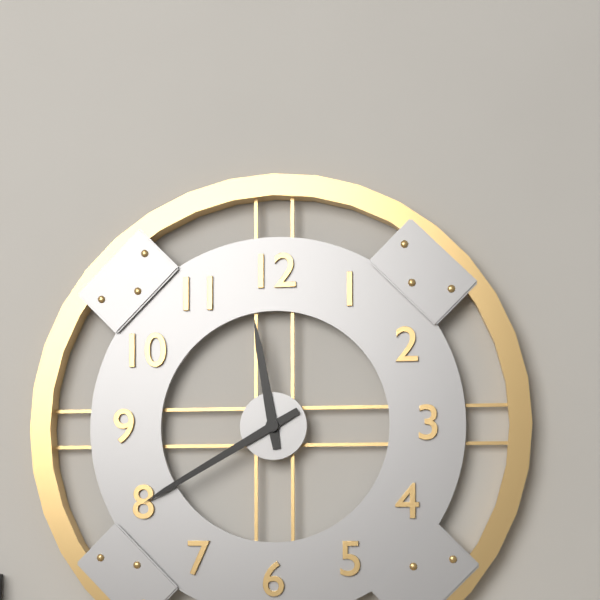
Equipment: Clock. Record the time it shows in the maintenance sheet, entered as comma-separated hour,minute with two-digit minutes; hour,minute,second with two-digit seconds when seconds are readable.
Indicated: 11,40
